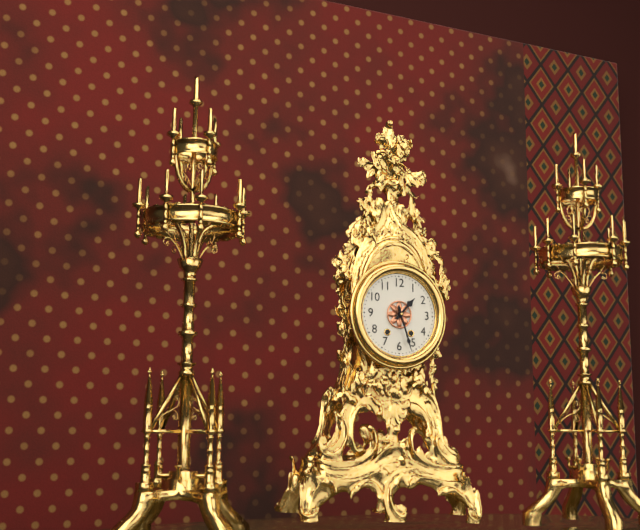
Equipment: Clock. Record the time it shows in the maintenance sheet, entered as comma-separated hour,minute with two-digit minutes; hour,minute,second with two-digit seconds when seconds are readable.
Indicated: 1,27
